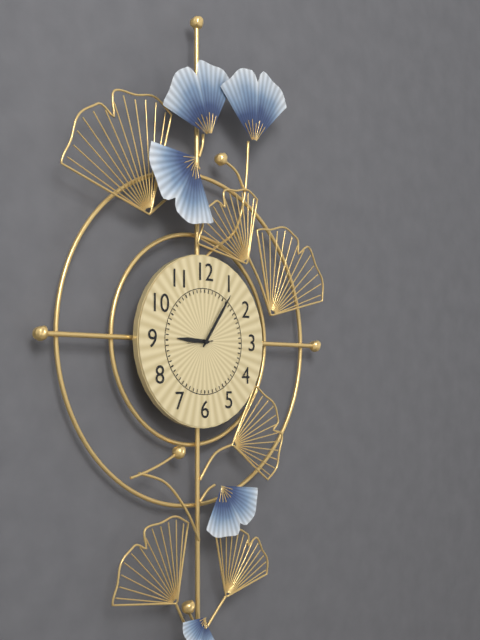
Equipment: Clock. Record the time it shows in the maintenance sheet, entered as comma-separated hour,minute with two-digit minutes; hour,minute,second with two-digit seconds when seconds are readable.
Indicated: 9,06
